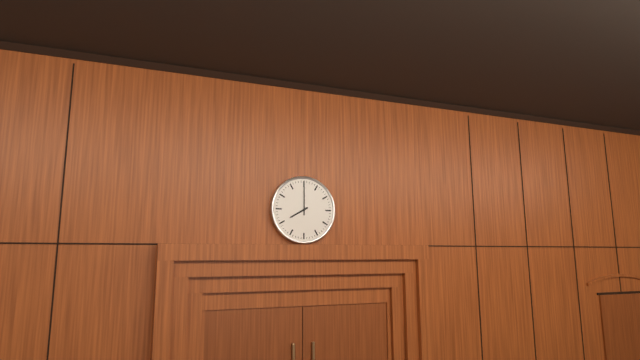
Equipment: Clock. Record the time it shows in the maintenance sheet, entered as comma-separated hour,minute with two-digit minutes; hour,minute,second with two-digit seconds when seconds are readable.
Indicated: 8,00
